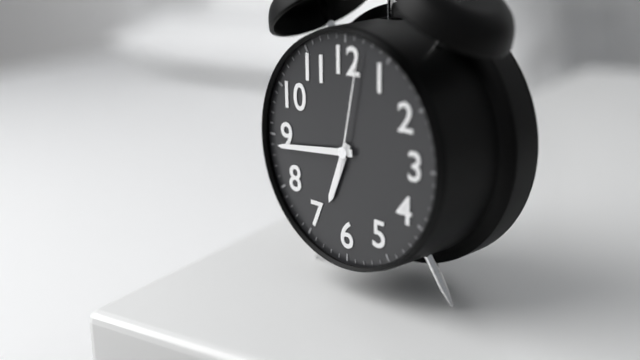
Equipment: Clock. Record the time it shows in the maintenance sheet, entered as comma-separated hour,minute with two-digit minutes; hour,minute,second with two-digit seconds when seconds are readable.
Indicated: 6,44,02
